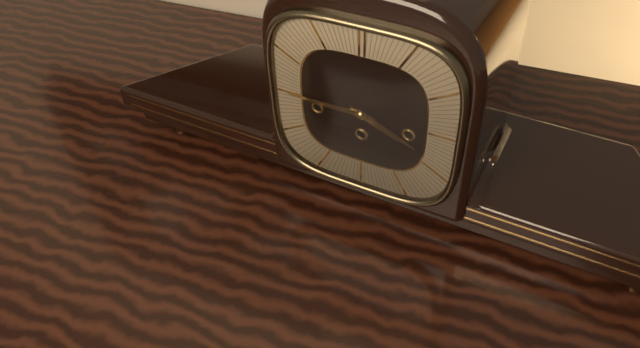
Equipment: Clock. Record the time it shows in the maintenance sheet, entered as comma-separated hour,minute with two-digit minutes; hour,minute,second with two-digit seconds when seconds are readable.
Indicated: 3,45
